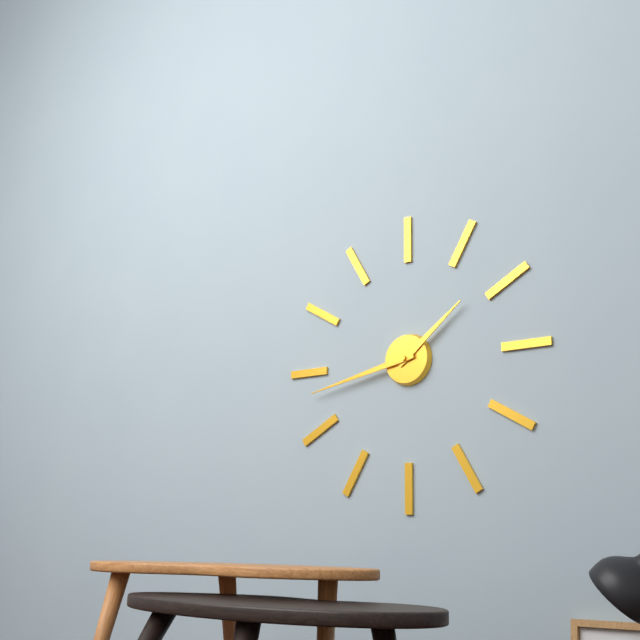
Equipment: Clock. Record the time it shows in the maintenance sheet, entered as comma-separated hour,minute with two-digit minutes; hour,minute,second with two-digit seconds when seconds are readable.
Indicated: 1,43
